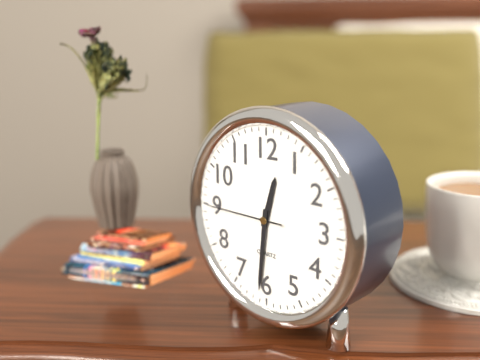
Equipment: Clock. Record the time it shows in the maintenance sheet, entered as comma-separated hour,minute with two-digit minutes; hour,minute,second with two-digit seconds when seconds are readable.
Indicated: 12,31,45
